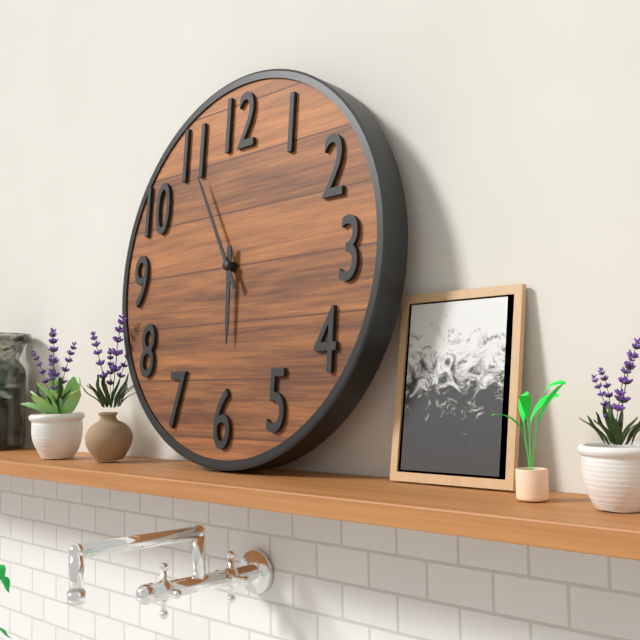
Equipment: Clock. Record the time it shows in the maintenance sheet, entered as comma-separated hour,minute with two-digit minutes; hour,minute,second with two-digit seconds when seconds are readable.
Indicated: 5,55
